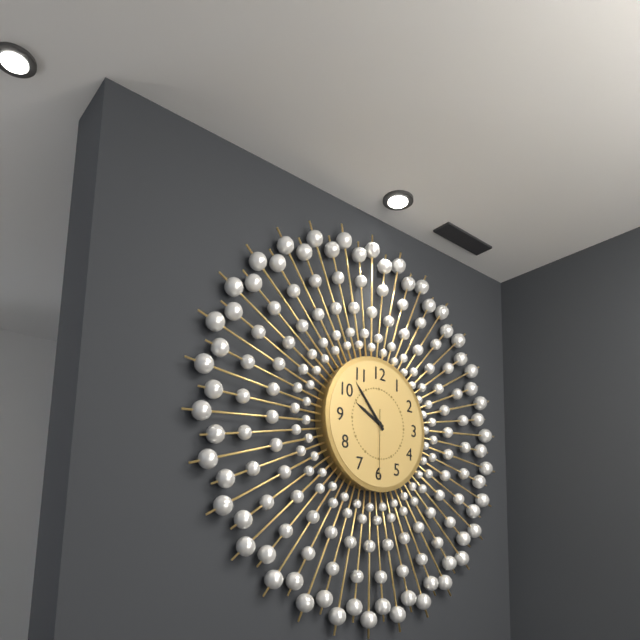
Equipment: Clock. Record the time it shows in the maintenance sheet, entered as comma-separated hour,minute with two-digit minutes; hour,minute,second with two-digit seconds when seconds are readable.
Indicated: 9,53,30
